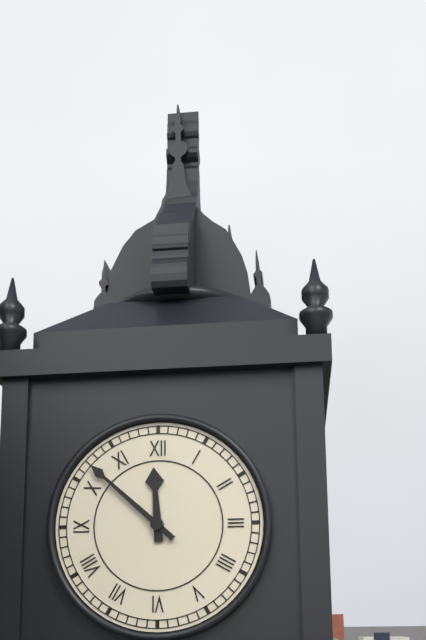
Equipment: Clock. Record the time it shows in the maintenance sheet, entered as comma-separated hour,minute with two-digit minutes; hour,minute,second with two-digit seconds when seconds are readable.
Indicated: 11,52
